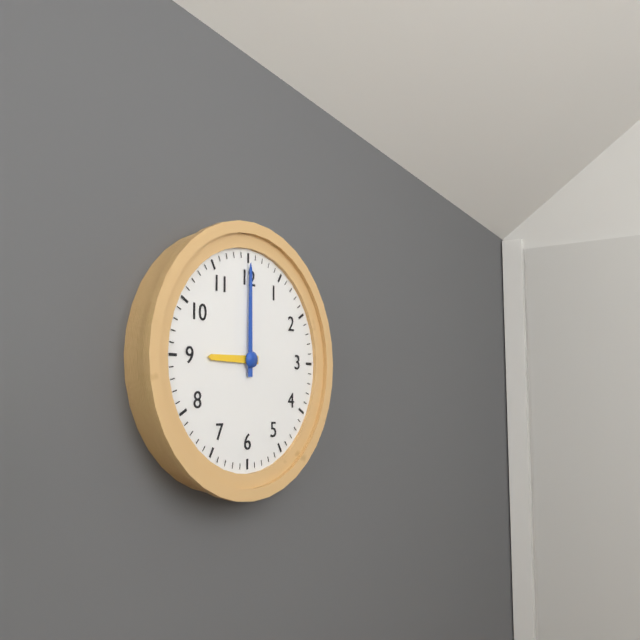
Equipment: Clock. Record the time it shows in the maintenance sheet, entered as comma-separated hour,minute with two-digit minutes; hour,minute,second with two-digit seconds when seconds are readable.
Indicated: 9,00
